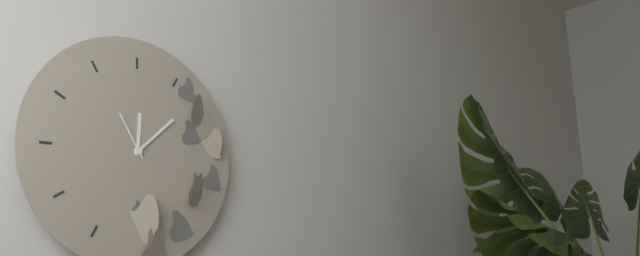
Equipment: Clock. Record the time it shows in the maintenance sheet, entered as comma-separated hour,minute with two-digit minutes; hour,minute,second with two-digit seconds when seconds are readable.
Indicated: 12,08,55
